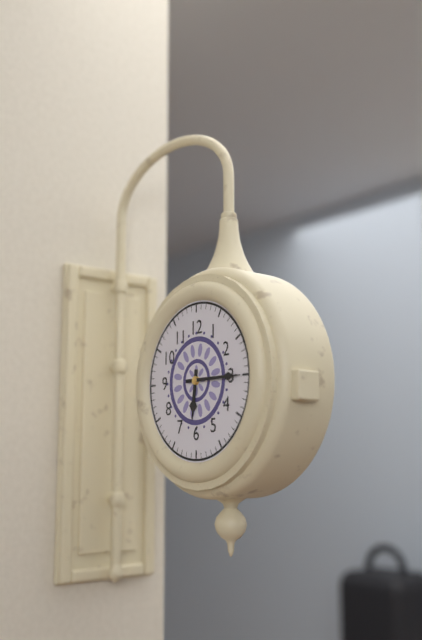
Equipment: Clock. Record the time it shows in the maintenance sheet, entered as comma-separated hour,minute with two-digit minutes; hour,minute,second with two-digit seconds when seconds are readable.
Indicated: 6,15
